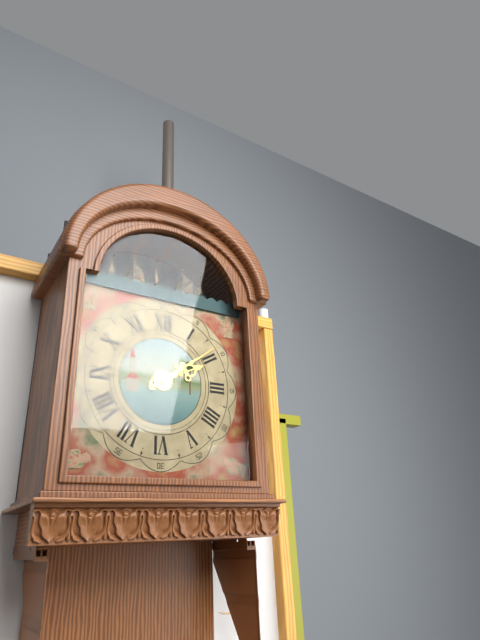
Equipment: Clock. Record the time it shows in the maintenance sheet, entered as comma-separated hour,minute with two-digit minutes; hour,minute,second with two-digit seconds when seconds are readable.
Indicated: 2,09
